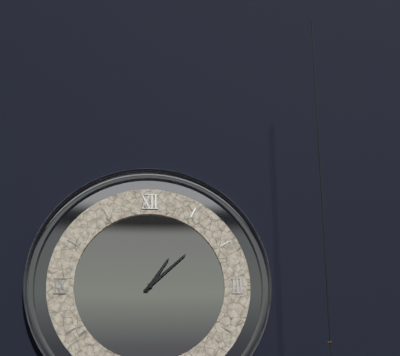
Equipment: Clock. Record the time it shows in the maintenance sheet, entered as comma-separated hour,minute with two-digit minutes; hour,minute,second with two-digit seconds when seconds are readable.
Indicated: 1,08
